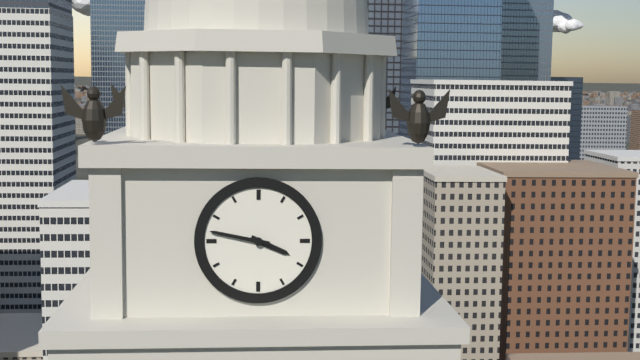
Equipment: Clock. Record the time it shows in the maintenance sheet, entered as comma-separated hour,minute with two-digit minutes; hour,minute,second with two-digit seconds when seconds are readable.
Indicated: 3,47
